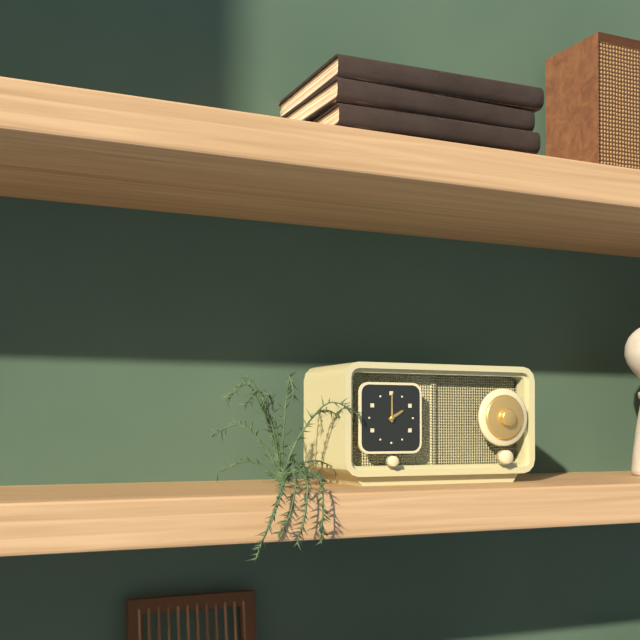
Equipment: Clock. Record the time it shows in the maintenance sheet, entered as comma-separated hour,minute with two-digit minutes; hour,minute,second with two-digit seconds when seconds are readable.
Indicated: 2,00
